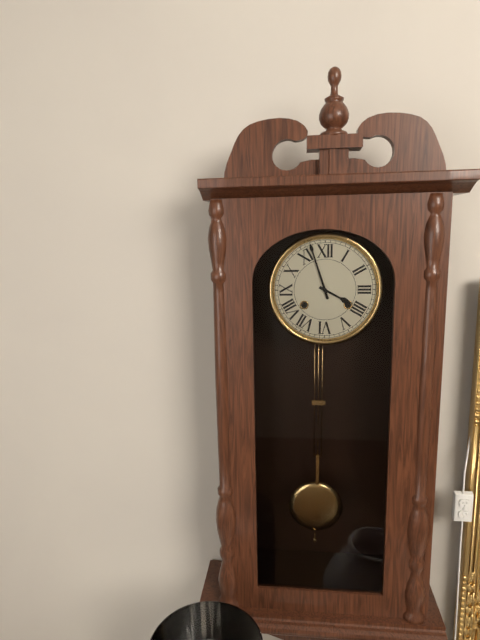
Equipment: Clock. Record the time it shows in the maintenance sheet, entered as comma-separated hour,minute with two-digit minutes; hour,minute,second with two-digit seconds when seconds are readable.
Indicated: 3,57
